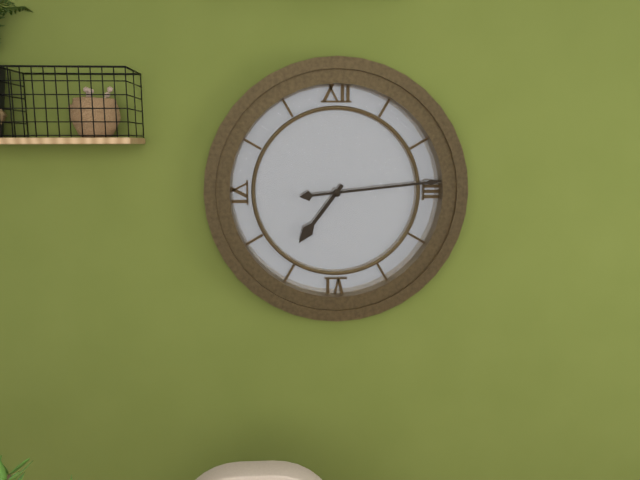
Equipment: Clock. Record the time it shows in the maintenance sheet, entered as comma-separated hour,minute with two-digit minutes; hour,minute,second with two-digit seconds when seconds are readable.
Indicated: 7,14
